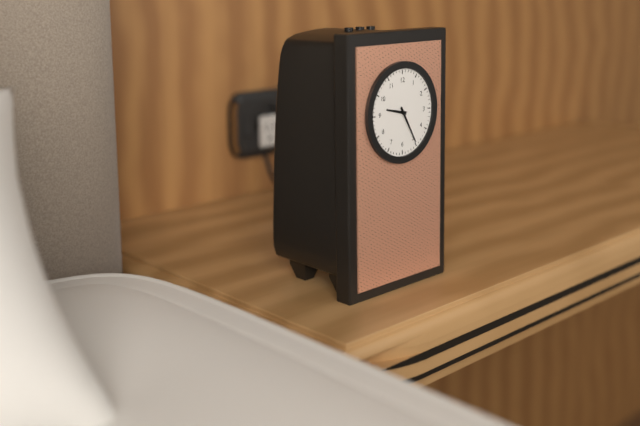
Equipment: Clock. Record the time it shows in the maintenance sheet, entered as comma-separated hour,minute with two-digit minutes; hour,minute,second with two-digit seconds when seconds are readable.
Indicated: 9,25
